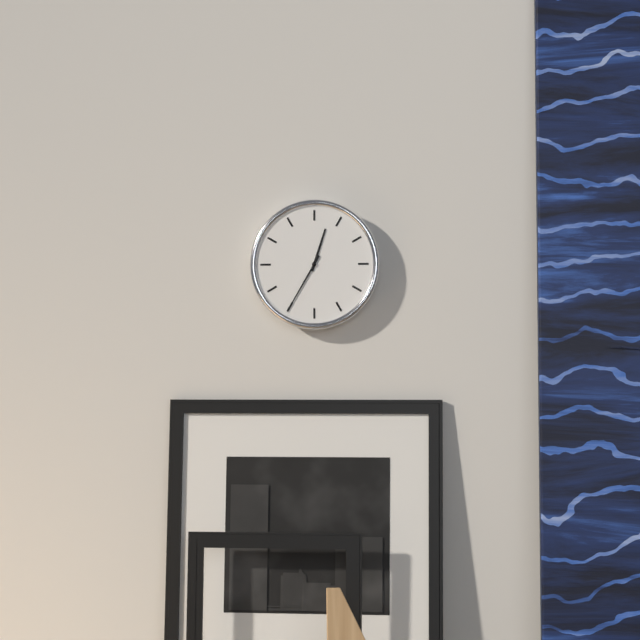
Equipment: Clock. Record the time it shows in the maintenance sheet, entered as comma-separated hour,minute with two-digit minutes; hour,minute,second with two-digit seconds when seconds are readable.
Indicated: 12,35
